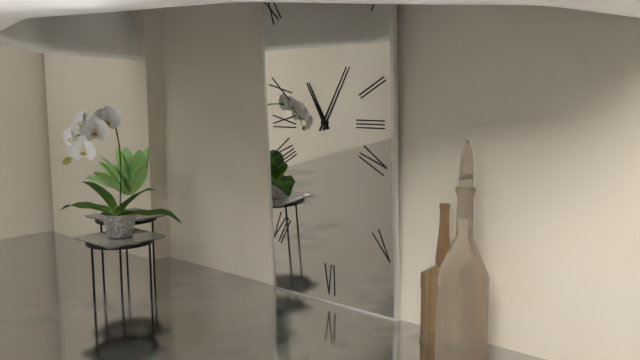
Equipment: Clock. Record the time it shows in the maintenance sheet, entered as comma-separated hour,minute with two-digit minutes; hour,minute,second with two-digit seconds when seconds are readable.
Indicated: 11,05
